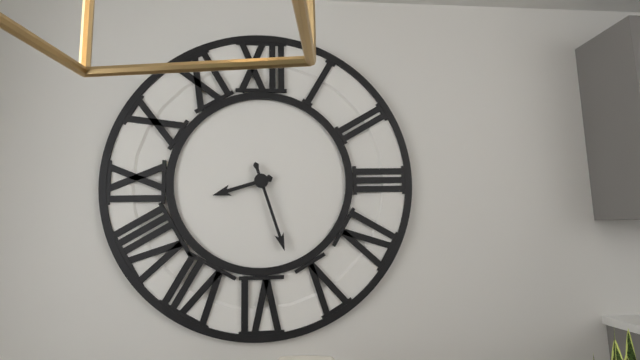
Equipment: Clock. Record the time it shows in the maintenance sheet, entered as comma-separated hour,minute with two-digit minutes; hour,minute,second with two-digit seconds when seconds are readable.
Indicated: 8,27
